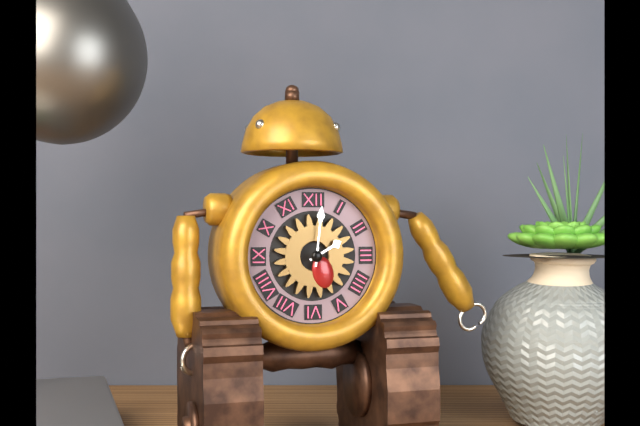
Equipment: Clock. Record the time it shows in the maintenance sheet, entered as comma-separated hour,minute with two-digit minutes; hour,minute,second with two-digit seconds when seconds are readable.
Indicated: 2,01
